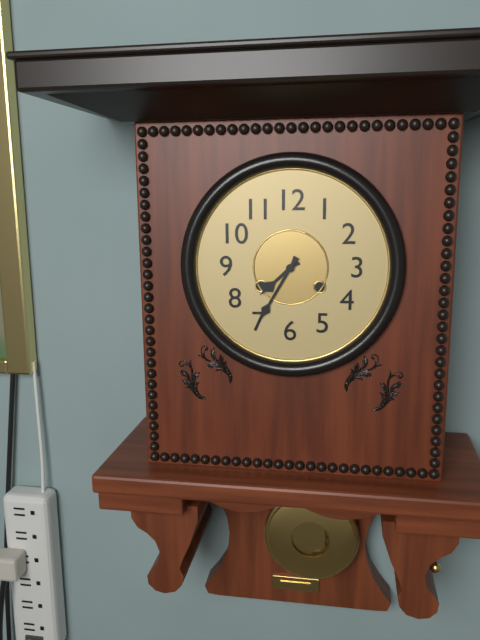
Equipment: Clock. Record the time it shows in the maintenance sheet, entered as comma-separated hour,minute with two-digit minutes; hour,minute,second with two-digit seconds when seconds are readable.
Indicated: 7,35
